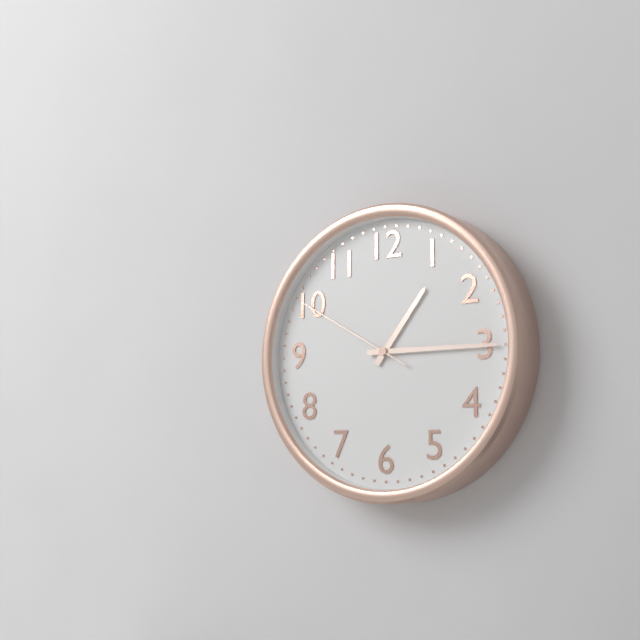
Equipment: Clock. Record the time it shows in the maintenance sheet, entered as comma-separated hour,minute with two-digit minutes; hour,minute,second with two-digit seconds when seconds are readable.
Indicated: 1,15,50
